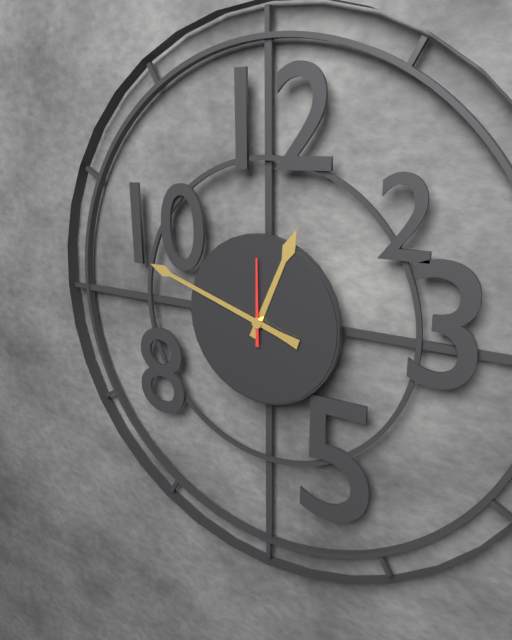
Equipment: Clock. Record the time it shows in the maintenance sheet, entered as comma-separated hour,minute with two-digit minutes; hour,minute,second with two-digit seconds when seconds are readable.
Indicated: 12,48,00
